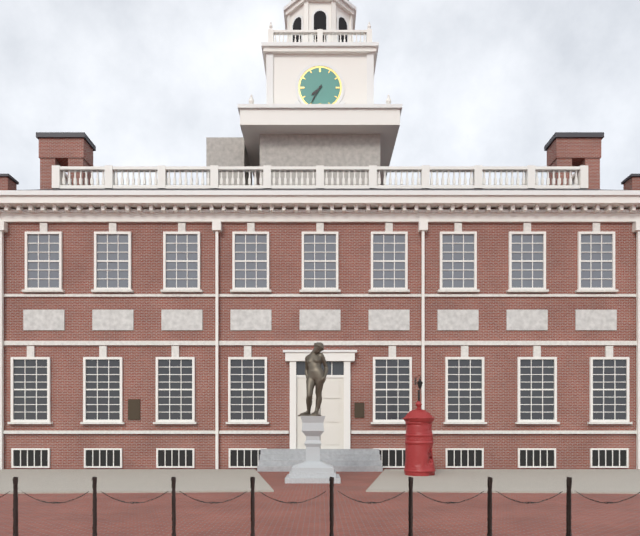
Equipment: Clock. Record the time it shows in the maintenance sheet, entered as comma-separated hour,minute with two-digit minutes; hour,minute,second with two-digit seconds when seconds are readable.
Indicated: 7,35
